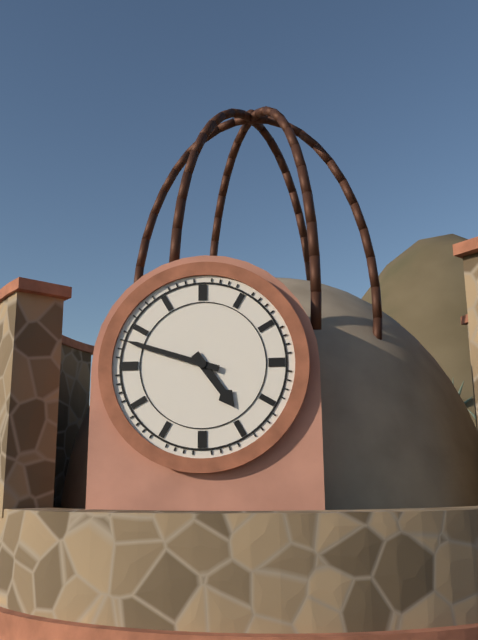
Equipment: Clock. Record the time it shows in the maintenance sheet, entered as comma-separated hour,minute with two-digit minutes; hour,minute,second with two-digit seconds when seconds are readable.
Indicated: 4,48
